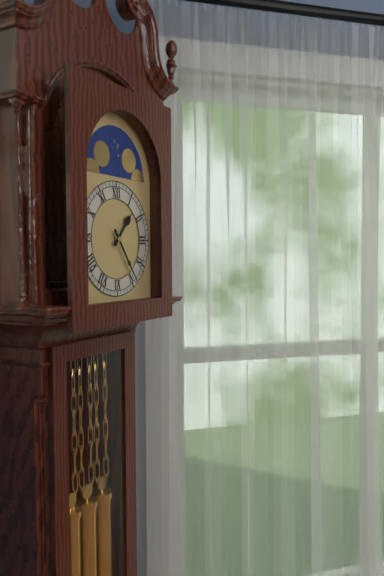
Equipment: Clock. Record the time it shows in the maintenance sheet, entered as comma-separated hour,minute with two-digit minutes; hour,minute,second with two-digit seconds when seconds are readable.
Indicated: 1,24
